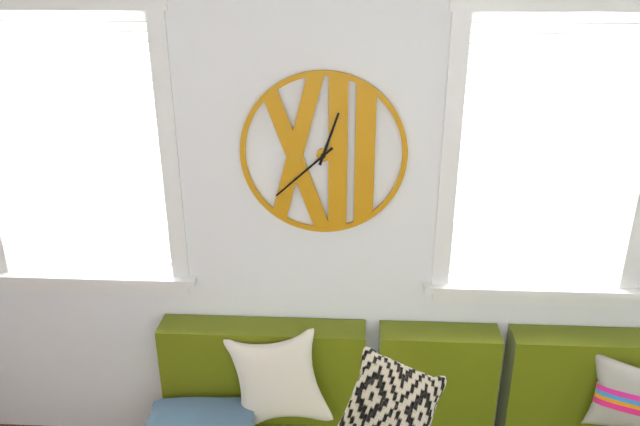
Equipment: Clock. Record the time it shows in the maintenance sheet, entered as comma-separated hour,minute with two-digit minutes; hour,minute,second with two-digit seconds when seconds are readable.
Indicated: 12,38
